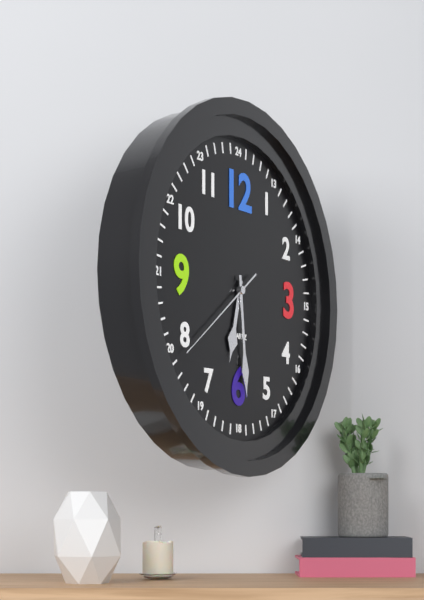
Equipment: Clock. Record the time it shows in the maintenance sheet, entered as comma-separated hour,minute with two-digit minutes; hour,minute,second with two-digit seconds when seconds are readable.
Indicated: 6,29,39
